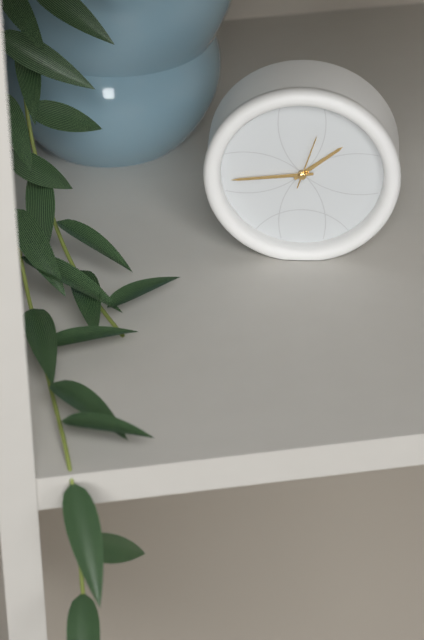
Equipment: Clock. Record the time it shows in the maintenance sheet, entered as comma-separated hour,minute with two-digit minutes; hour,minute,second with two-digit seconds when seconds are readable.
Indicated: 1,44,03
